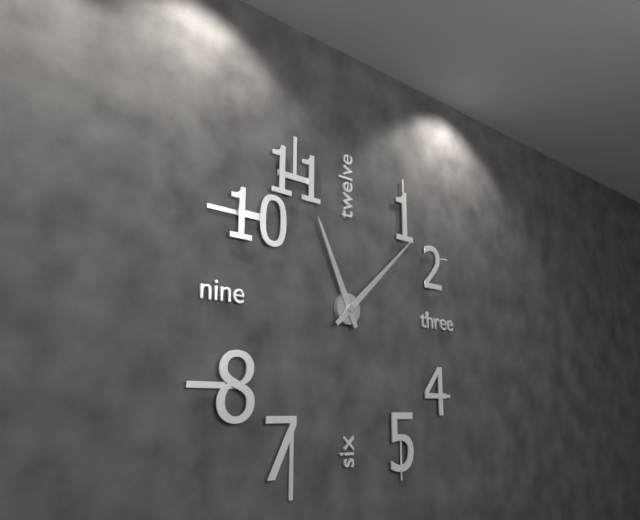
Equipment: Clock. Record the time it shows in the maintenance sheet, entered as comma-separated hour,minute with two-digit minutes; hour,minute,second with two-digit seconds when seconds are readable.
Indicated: 11,08
